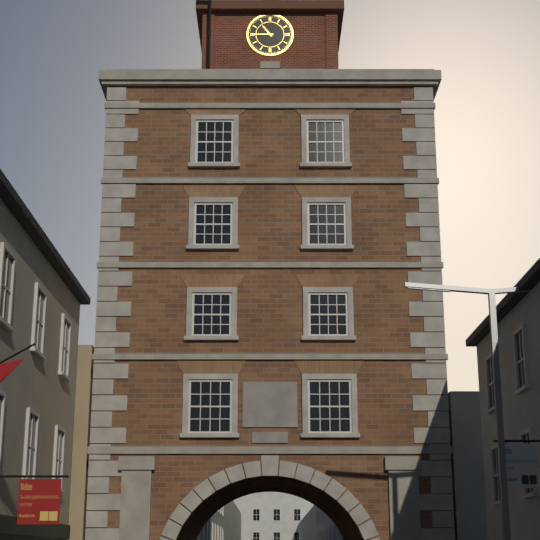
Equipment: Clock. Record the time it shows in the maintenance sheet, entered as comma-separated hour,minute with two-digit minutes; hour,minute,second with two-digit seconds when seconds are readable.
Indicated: 10,45
